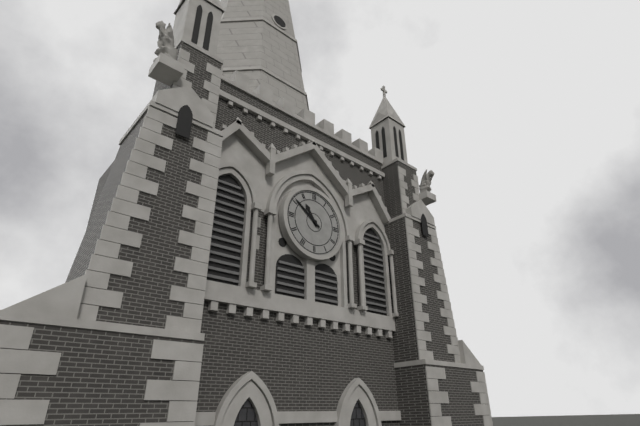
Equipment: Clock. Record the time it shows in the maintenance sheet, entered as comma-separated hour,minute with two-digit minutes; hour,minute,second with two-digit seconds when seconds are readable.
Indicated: 10,51
